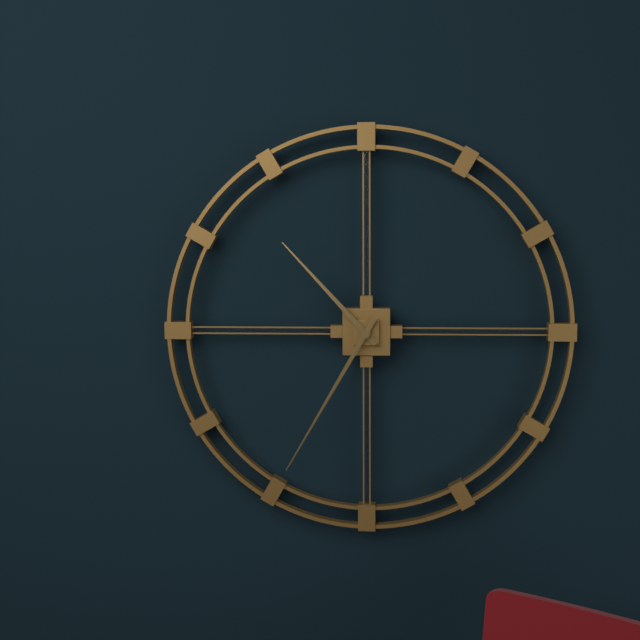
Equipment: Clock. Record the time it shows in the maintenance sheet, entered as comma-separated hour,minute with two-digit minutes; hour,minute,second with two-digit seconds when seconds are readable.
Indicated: 10,35
